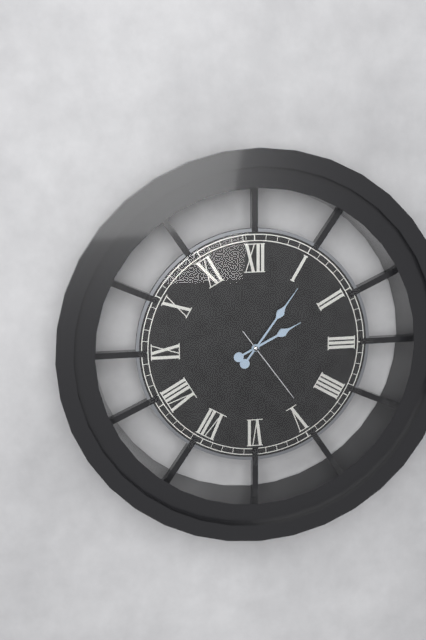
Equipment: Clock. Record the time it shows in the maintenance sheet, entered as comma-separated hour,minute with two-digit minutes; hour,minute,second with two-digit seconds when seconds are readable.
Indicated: 2,06,24
